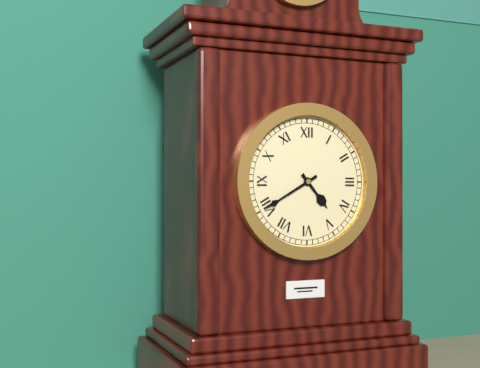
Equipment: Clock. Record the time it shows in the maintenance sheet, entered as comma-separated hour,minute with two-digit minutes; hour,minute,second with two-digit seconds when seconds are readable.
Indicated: 4,40
